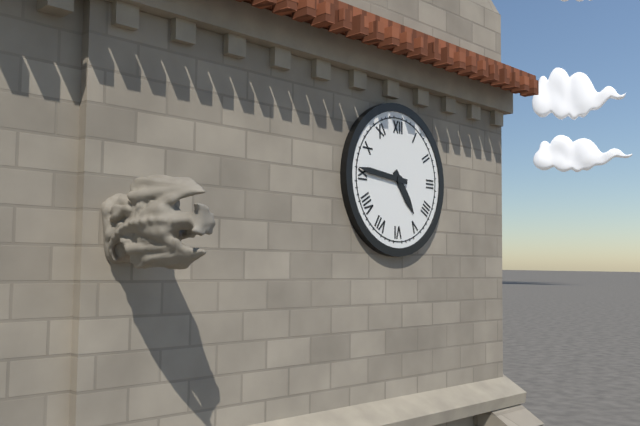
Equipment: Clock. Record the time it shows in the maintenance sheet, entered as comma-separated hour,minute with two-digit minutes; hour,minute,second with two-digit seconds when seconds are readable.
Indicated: 4,46
